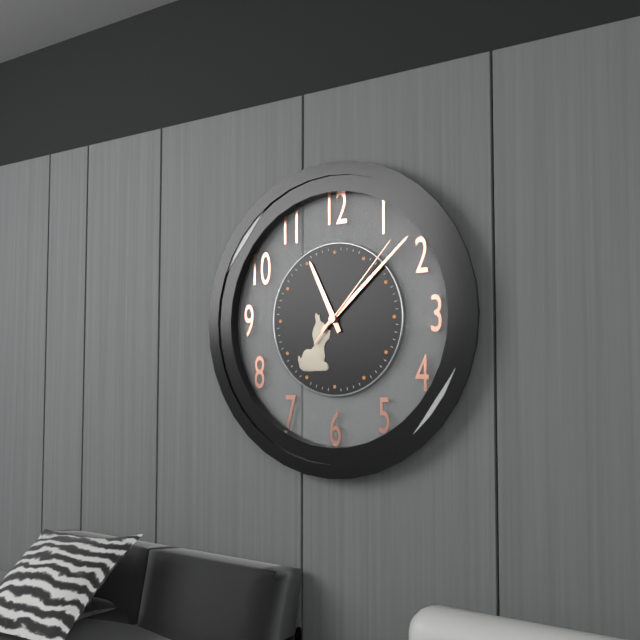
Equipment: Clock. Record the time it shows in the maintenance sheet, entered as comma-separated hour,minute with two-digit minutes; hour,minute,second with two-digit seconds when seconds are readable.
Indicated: 11,08,07
